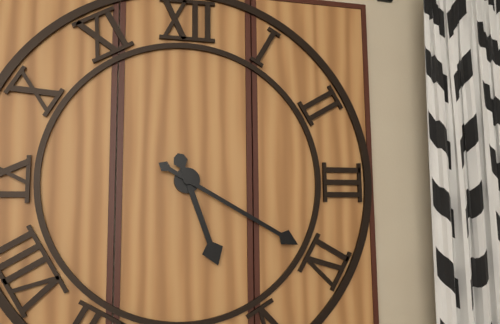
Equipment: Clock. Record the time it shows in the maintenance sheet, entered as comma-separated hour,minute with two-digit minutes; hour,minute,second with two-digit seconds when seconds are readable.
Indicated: 5,20
